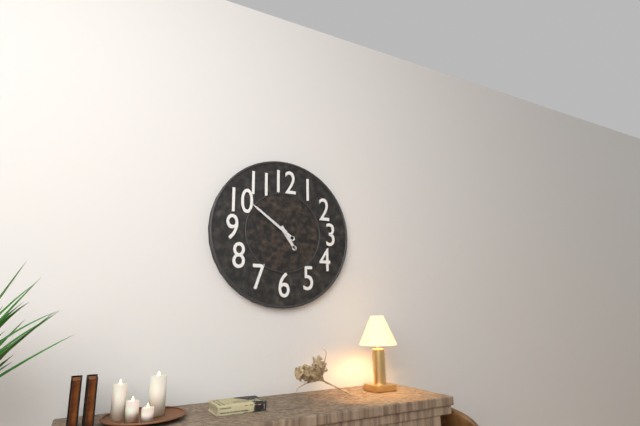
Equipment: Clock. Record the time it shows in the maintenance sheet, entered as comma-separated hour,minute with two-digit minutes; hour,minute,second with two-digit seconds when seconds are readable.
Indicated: 4,51
